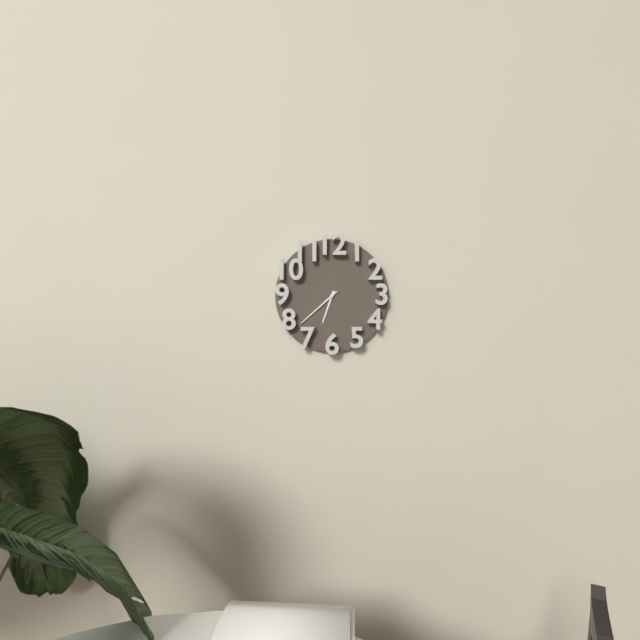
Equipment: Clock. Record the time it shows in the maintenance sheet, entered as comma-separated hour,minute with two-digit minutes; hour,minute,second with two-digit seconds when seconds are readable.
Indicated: 6,38
